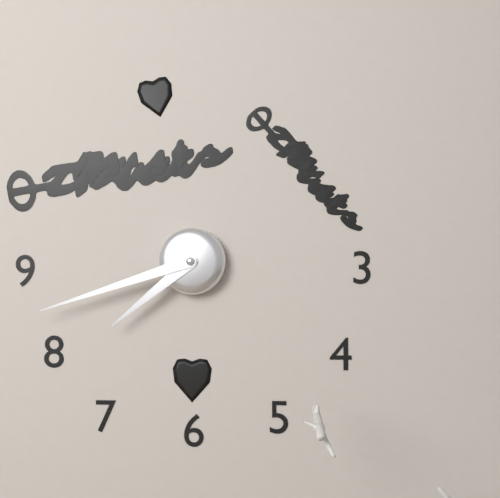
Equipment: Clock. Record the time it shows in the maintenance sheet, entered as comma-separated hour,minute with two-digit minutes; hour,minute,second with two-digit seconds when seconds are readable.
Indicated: 7,42
